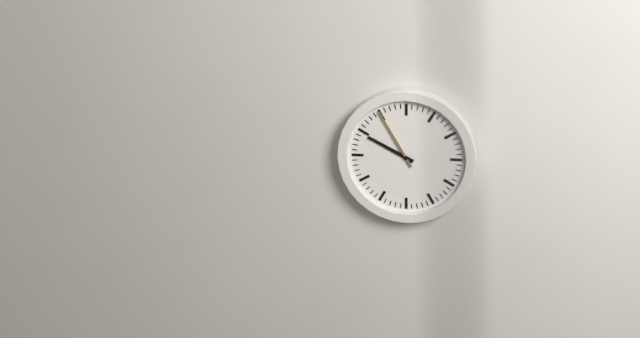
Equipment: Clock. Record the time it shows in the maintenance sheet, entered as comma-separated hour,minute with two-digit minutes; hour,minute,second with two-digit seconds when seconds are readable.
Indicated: 9,55
